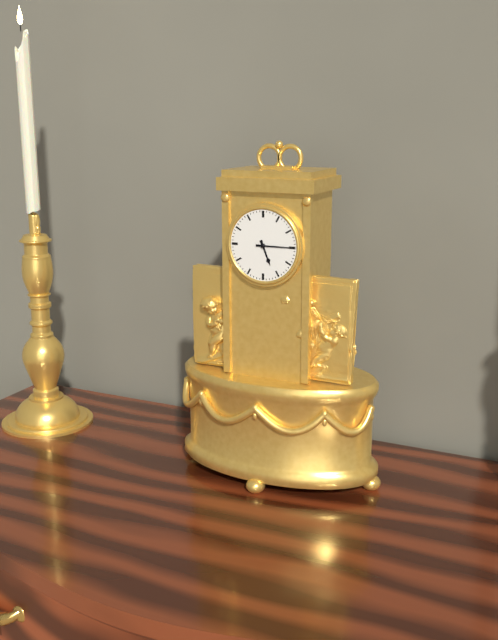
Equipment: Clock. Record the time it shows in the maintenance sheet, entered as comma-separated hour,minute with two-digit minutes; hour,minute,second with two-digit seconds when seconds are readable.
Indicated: 5,15
